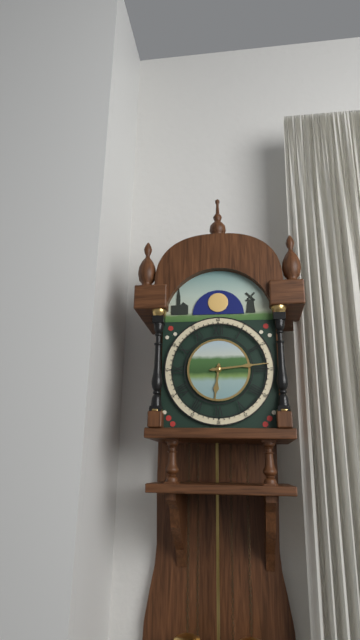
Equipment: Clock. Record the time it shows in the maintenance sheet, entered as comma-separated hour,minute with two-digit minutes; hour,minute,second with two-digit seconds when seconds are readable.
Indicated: 6,14
